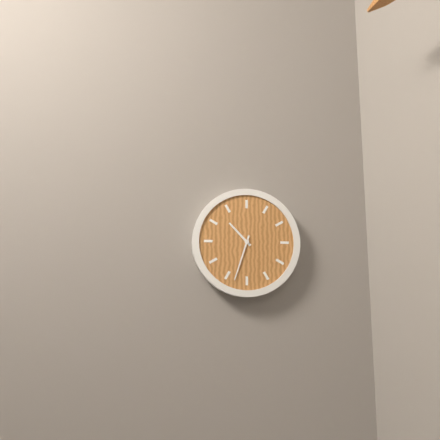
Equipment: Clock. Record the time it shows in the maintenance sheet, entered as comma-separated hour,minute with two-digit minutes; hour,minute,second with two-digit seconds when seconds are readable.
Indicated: 10,33
